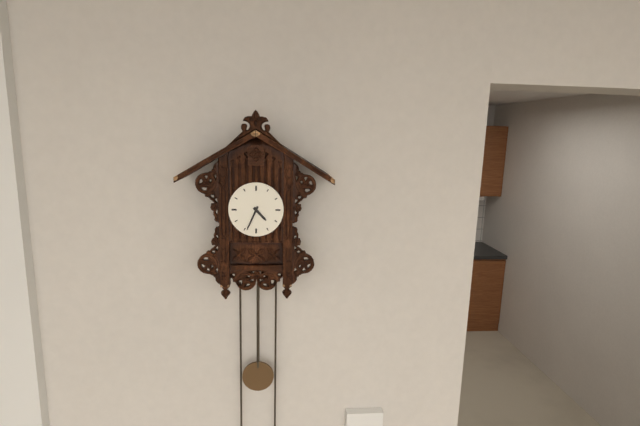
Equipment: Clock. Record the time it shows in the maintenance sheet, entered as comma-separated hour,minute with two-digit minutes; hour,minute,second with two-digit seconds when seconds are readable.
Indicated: 4,34
